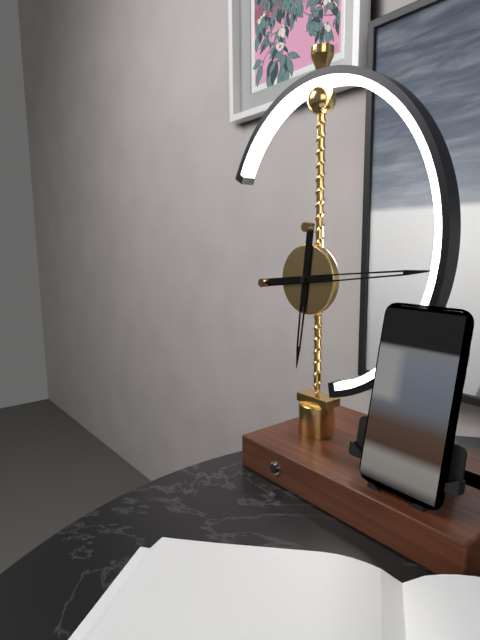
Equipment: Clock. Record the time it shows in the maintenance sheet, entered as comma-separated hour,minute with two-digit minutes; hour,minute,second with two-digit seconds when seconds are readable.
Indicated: 6,14
